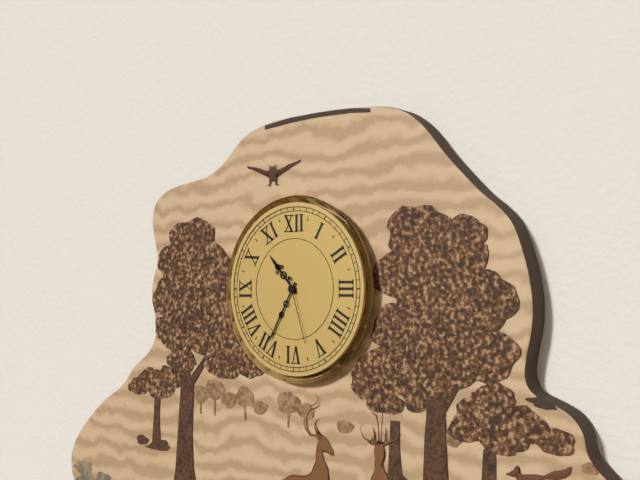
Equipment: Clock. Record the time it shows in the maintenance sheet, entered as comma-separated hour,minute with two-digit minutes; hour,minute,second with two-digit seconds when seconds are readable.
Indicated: 10,35,27
